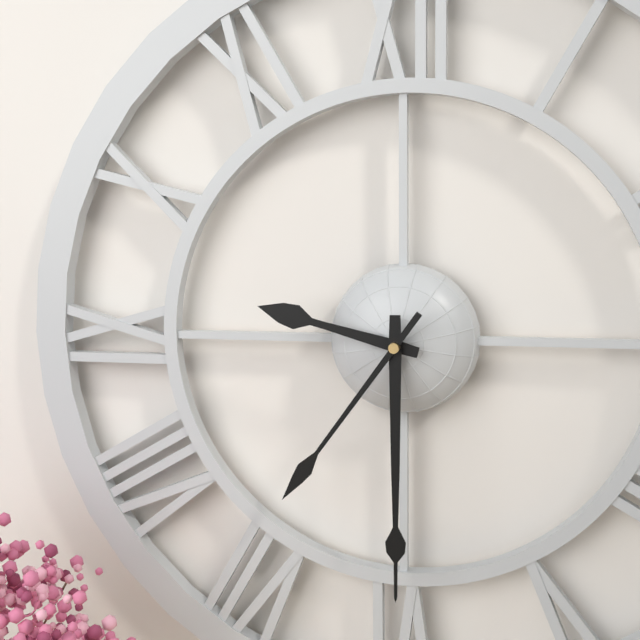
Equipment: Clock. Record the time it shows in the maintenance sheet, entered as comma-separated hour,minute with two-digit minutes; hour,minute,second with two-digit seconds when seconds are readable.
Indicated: 9,30,36
